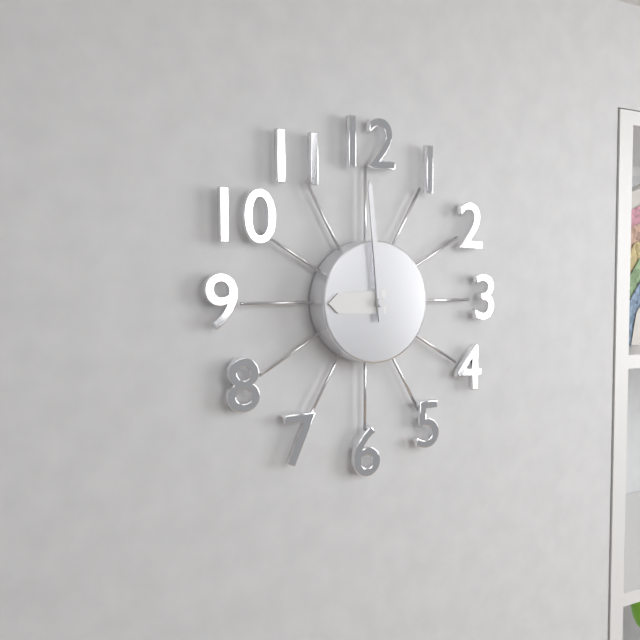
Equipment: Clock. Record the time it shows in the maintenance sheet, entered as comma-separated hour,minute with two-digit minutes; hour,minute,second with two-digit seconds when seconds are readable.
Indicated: 8,59
